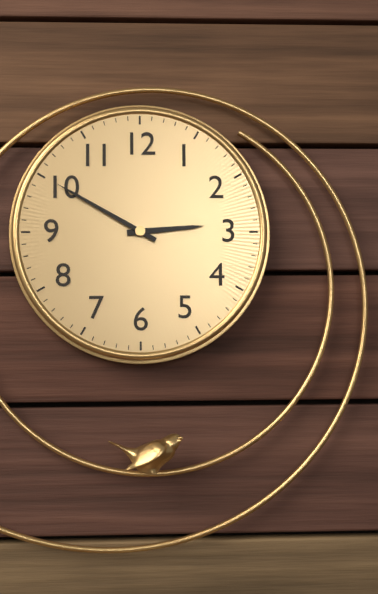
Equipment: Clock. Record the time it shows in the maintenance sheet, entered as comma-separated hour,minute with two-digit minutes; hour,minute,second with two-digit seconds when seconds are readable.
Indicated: 2,50
